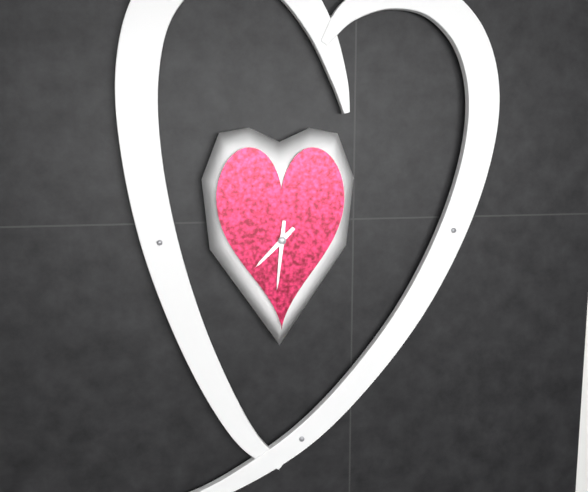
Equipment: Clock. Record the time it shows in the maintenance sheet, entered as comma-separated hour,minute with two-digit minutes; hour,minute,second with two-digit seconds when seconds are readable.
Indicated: 7,31
